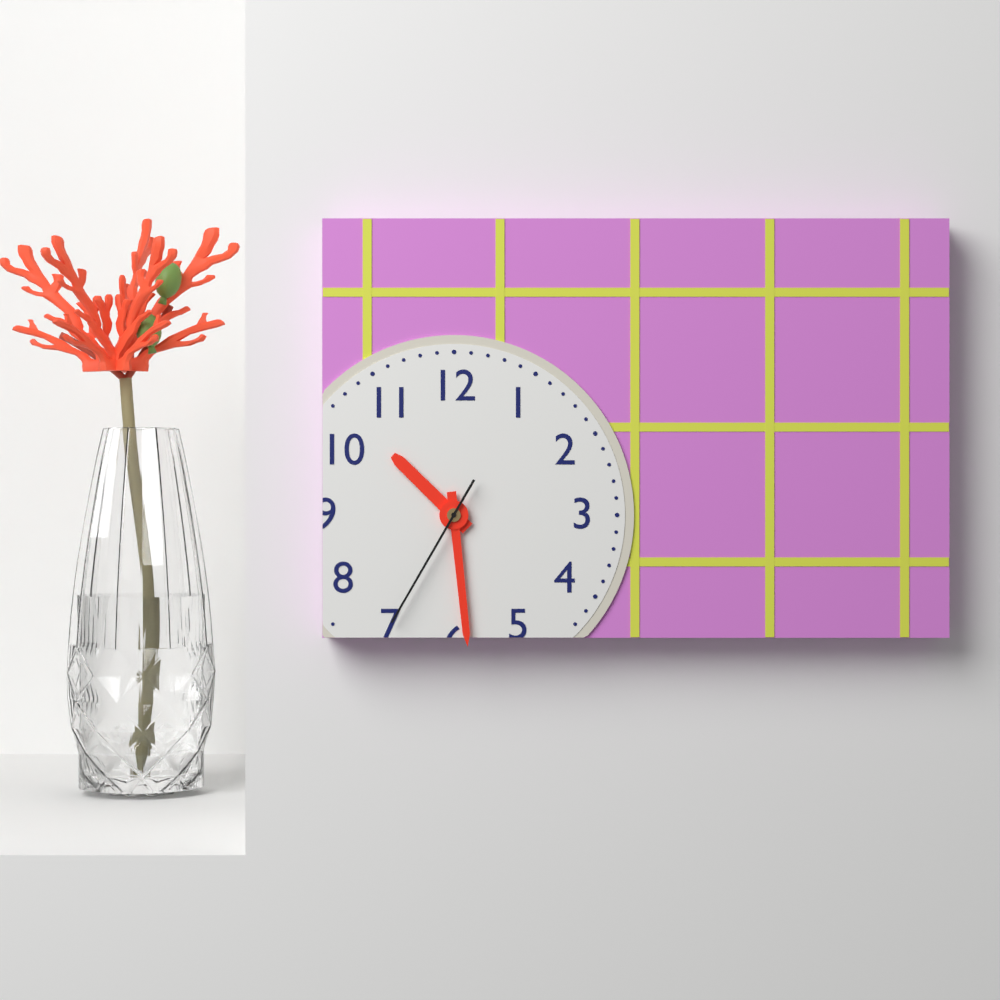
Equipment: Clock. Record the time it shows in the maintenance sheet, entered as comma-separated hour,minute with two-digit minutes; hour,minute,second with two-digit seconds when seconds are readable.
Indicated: 10,29,35
